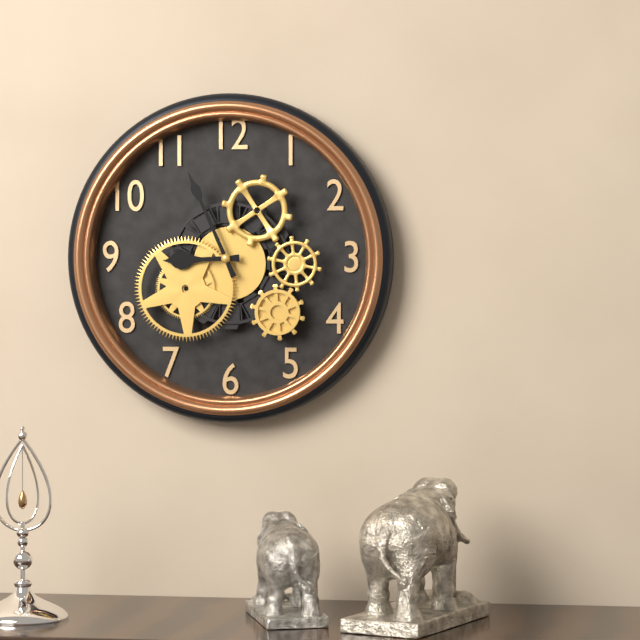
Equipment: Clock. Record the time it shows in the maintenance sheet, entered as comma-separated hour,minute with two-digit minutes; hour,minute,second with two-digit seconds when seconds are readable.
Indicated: 8,56
